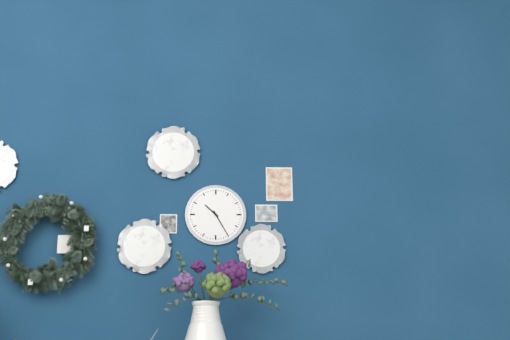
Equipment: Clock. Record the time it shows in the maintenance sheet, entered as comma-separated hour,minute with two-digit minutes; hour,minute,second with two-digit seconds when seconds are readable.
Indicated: 10,25
